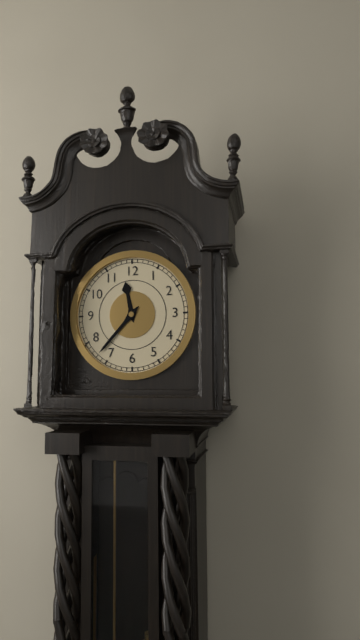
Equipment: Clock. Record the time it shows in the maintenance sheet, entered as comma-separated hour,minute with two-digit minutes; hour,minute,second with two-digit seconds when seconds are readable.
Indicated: 11,37
